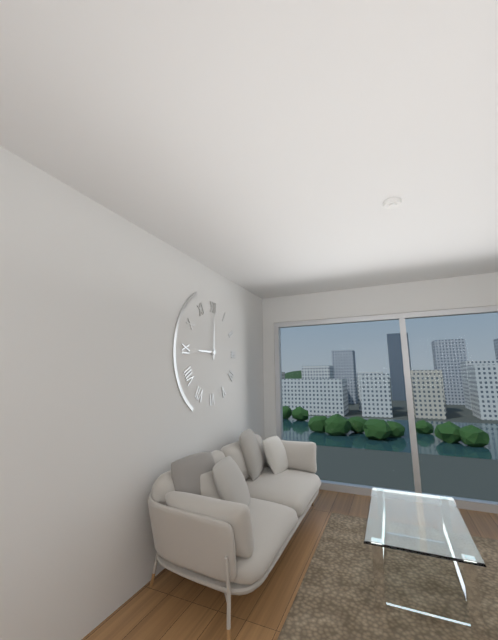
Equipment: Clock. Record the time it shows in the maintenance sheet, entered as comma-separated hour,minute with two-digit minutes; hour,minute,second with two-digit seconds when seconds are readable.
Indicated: 9,00
